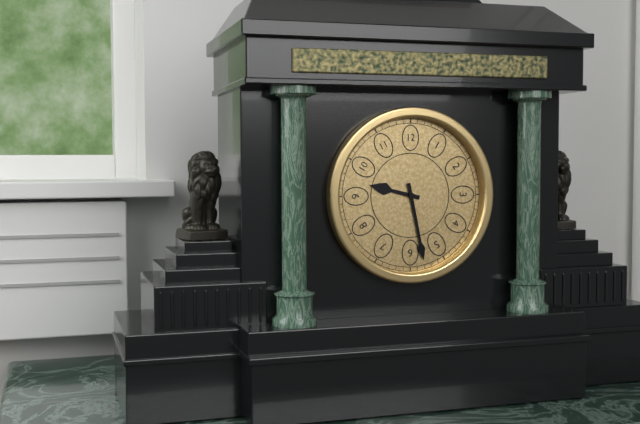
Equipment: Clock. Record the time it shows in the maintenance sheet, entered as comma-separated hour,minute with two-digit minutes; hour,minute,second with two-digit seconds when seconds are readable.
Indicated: 9,28
